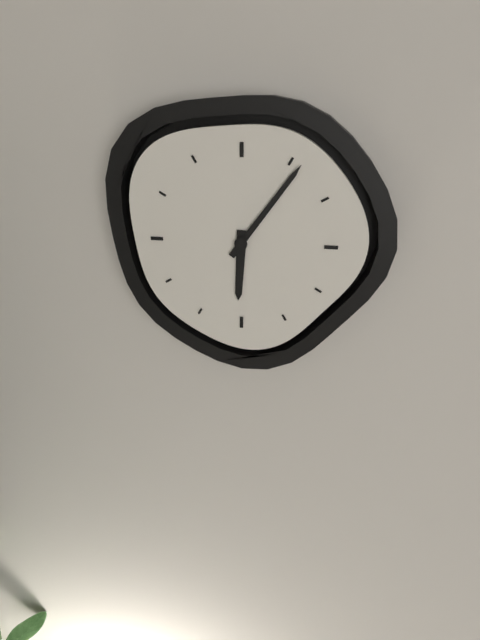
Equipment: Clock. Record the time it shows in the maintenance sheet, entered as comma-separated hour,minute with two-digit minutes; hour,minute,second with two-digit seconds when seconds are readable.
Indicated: 6,06
